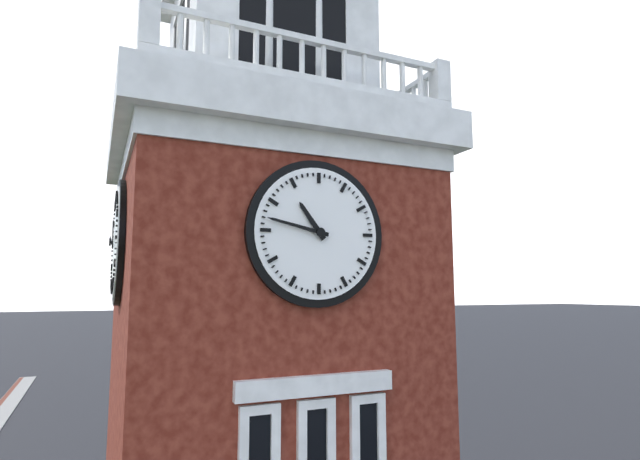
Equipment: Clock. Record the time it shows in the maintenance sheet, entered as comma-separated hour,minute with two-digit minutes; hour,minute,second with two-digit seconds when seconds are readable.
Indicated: 10,47
